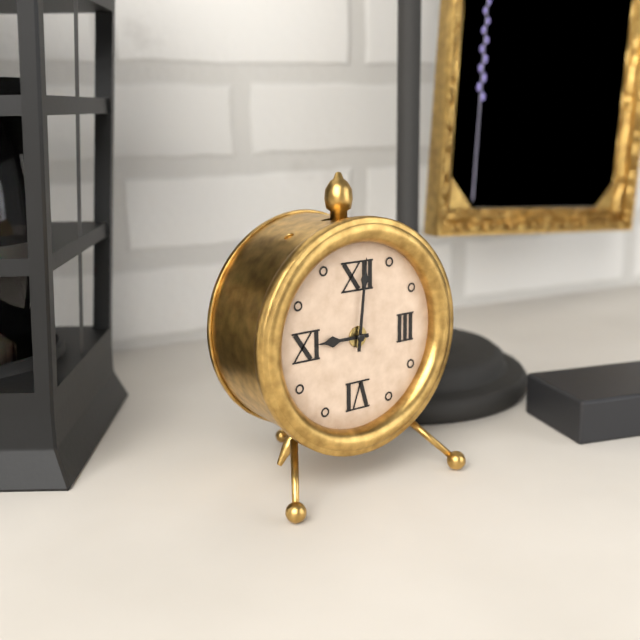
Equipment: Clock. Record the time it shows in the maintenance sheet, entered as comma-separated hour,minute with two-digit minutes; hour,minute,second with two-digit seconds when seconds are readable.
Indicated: 9,01
